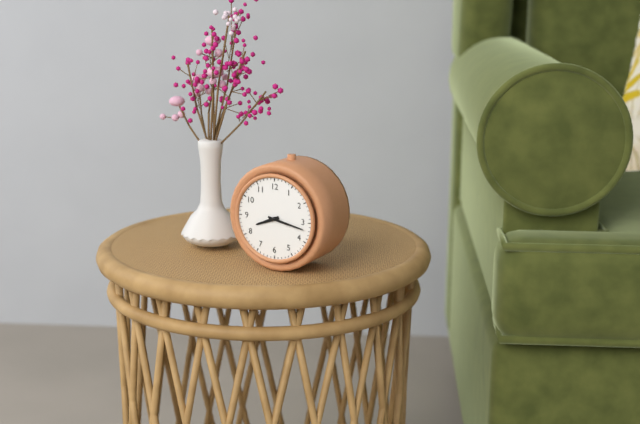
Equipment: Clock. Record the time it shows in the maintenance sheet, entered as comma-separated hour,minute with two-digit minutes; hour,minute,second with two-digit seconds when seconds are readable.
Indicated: 8,17
